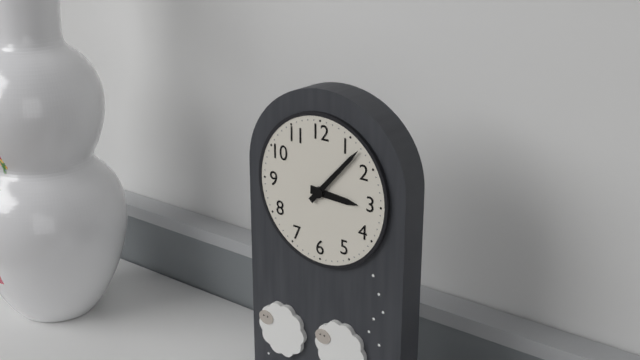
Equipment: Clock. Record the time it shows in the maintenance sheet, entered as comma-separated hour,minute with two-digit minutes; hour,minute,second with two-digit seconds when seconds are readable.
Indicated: 3,07
